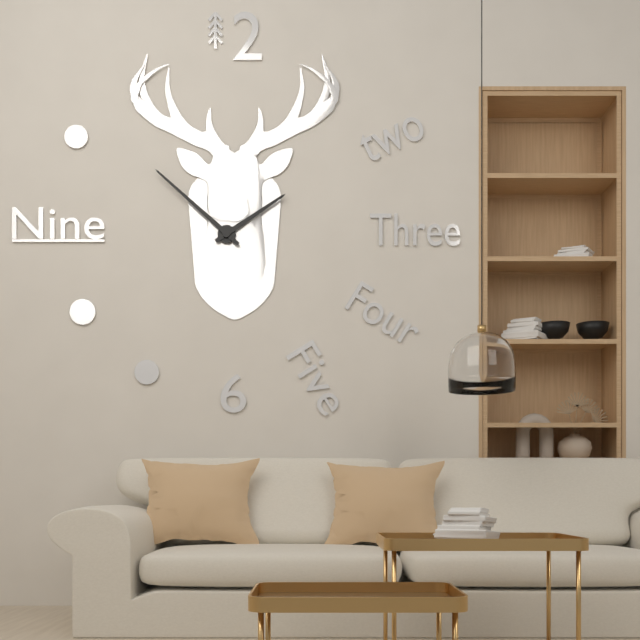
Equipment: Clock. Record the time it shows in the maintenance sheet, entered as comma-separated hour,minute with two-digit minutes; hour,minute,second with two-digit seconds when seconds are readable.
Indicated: 1,52
